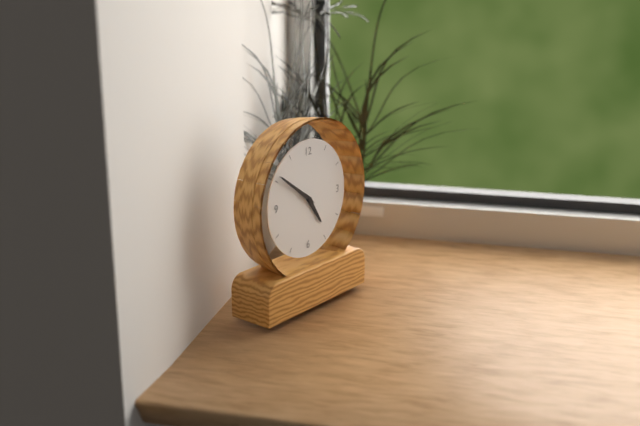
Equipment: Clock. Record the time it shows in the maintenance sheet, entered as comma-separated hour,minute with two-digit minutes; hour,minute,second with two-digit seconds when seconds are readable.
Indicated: 4,51
